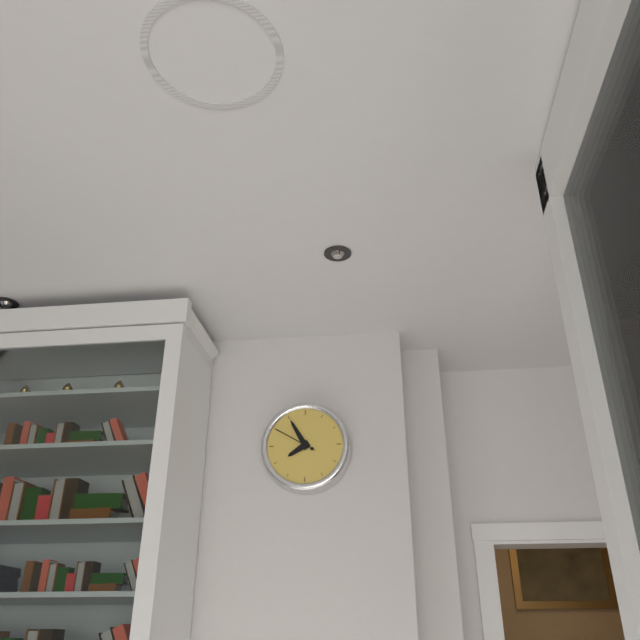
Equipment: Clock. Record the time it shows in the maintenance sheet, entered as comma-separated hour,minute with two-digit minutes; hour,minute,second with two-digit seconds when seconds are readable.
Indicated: 7,55
